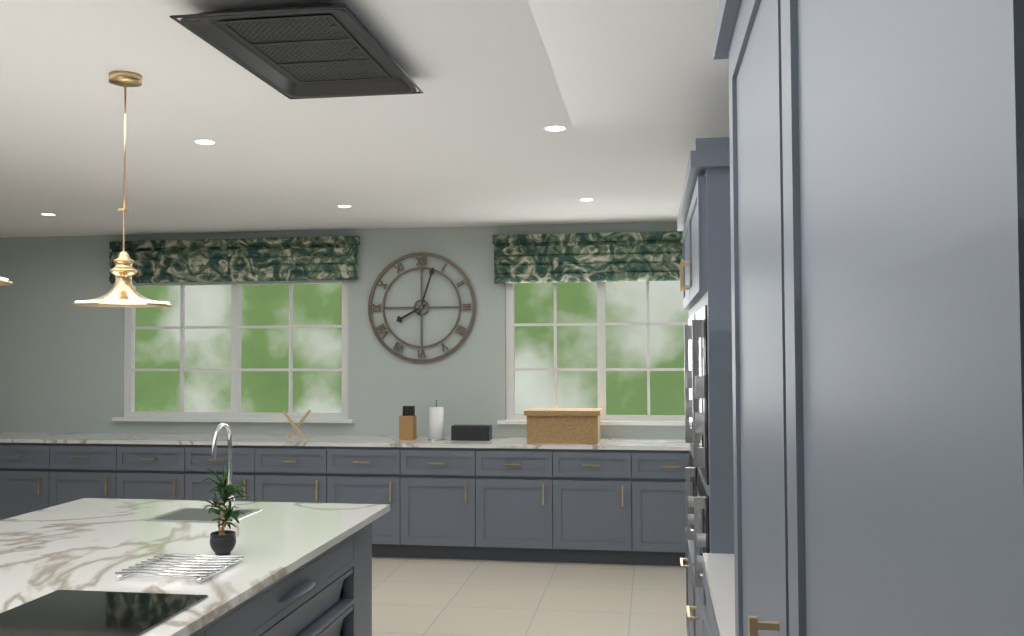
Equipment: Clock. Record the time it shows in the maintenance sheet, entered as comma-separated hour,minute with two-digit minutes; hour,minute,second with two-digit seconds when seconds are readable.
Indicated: 8,03
